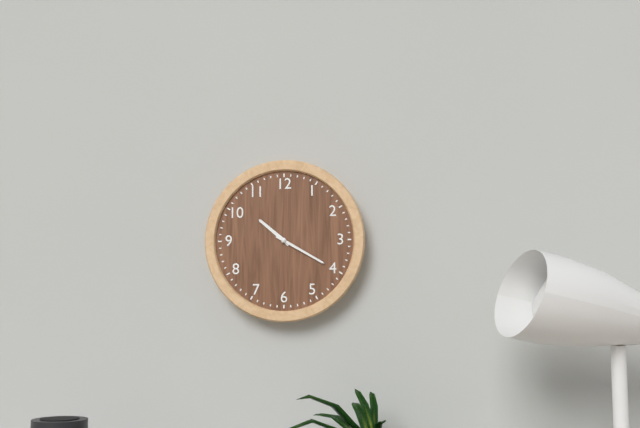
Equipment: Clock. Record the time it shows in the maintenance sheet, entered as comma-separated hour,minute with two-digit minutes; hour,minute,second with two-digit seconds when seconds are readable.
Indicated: 10,20
